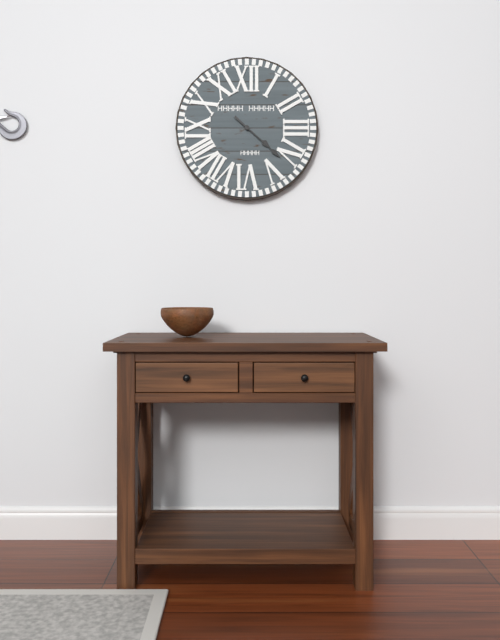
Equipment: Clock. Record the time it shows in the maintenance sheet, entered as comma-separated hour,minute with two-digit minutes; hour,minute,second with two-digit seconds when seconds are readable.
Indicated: 4,22
